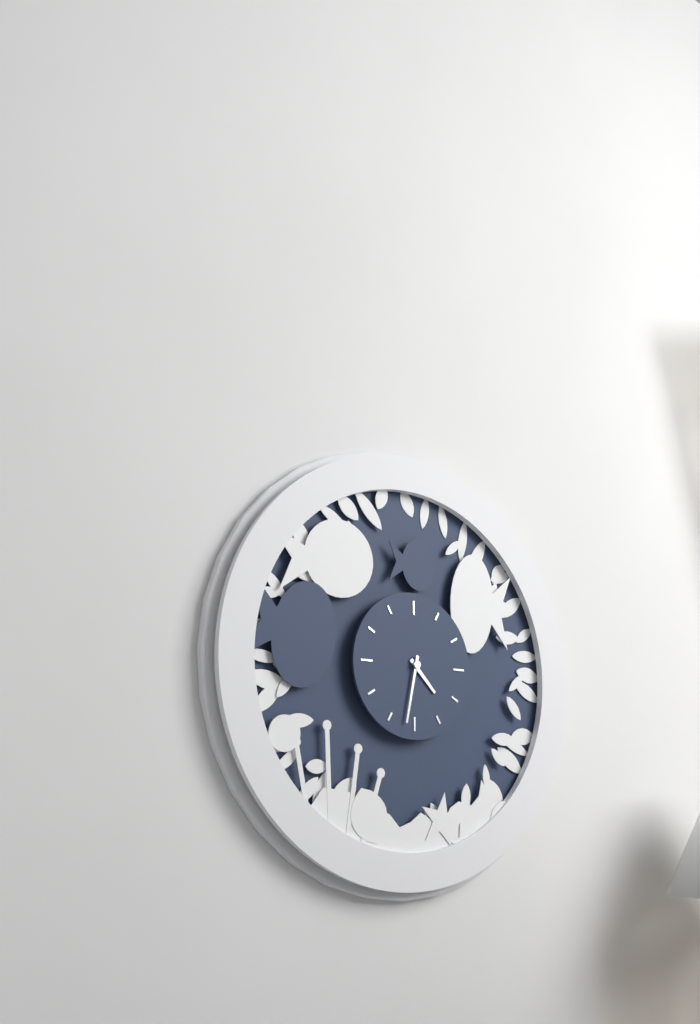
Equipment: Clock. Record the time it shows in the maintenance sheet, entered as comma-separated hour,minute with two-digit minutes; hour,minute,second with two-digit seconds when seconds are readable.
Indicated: 4,32
